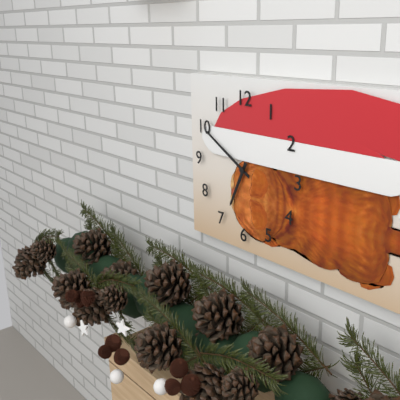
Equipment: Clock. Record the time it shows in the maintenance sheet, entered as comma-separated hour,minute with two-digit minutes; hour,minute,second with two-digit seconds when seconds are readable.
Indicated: 6,50
